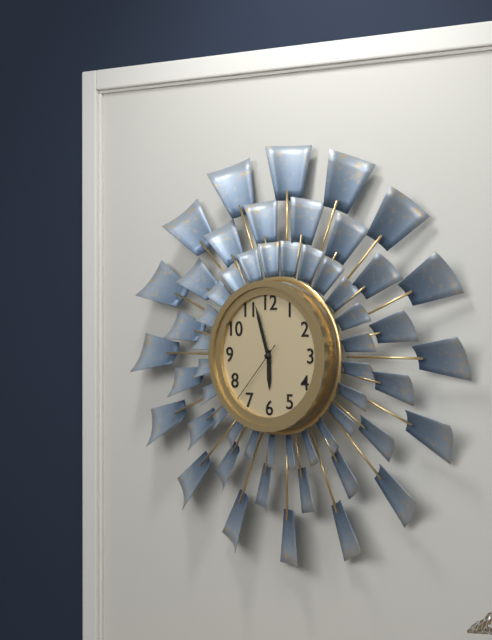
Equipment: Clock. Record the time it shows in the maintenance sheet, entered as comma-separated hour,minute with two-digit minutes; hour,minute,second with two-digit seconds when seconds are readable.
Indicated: 5,57,37
